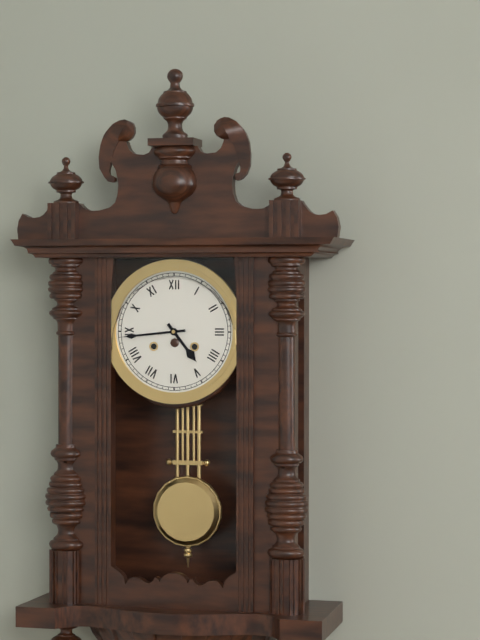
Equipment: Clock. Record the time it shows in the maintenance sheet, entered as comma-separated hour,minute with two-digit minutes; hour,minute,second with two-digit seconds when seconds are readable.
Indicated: 4,44
